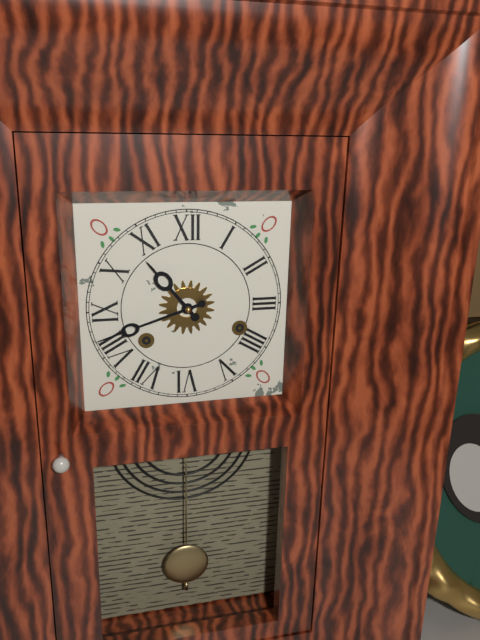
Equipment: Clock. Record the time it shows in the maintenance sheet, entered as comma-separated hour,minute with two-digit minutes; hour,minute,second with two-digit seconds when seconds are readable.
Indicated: 10,42
